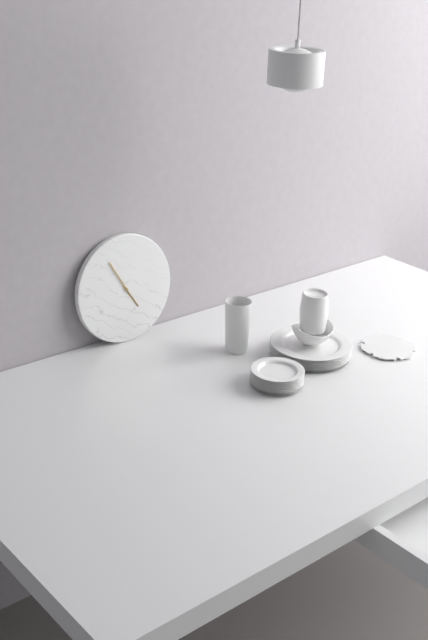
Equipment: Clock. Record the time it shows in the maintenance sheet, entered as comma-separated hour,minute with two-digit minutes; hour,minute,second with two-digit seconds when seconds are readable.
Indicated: 4,55
